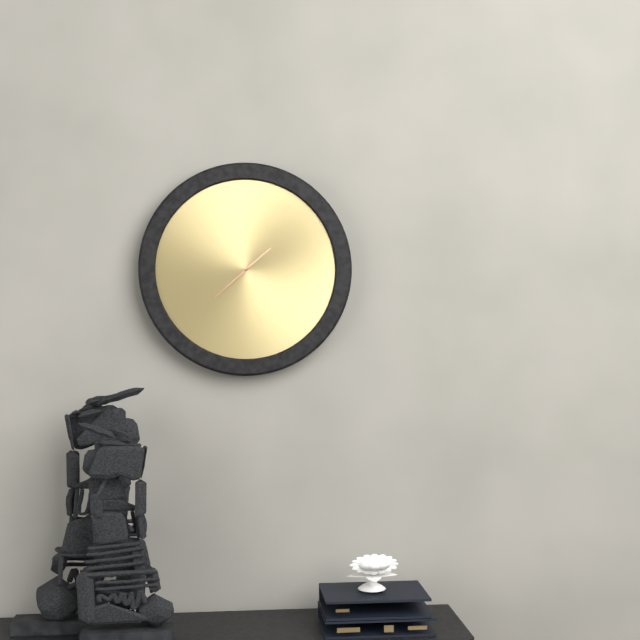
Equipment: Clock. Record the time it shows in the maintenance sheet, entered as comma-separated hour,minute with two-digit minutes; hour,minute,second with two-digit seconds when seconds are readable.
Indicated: 1,38
